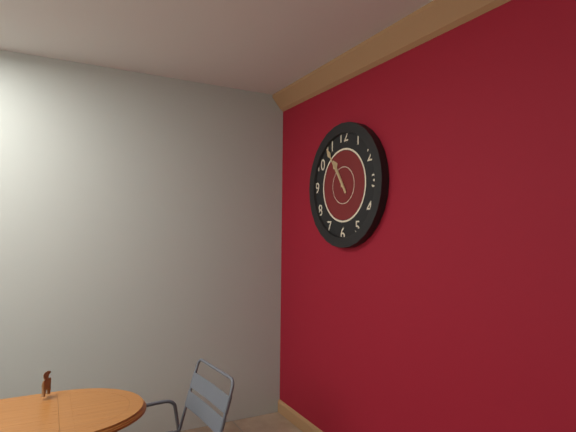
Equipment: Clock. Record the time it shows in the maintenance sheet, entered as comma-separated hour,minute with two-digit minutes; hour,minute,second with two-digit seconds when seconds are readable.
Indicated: 10,54
